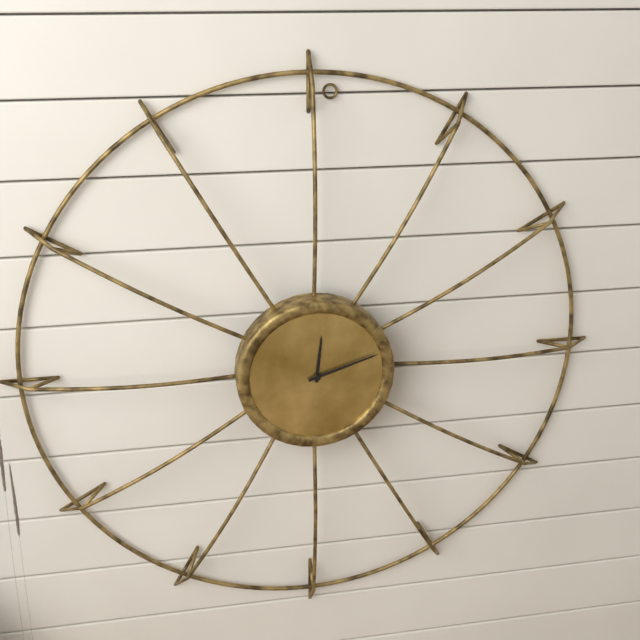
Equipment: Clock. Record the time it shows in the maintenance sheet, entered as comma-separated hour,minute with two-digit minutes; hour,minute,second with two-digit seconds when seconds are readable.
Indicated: 12,12
